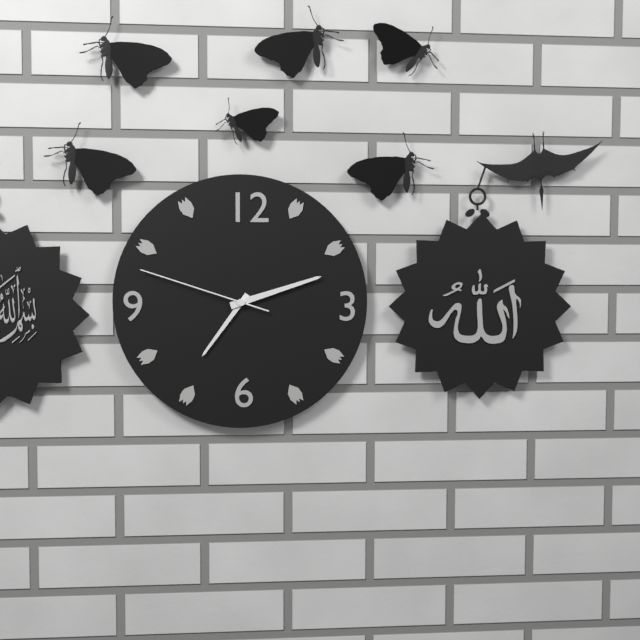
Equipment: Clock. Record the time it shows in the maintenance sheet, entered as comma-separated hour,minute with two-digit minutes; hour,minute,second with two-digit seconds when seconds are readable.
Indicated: 7,12,48
